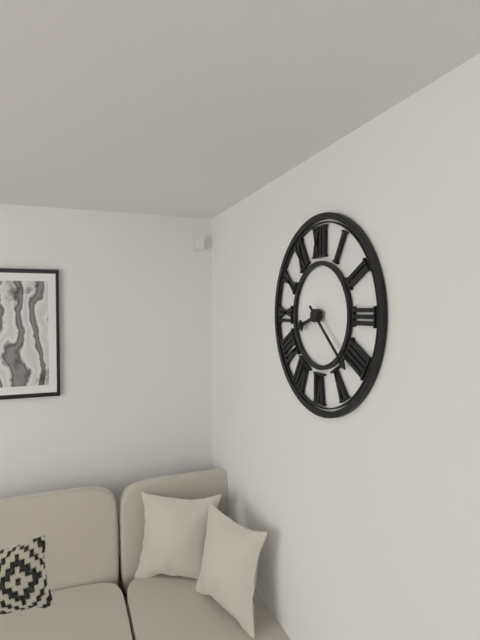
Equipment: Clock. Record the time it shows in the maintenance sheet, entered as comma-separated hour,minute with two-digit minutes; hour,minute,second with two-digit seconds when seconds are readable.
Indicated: 8,22
